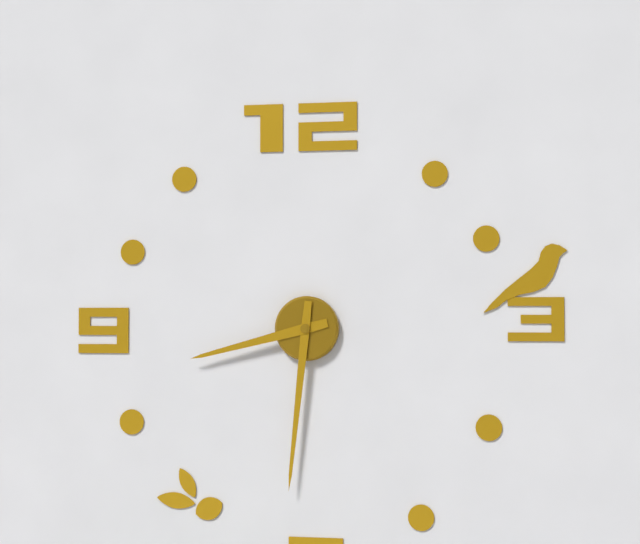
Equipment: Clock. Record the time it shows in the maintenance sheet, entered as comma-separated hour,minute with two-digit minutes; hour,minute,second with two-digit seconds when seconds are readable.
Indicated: 8,31
